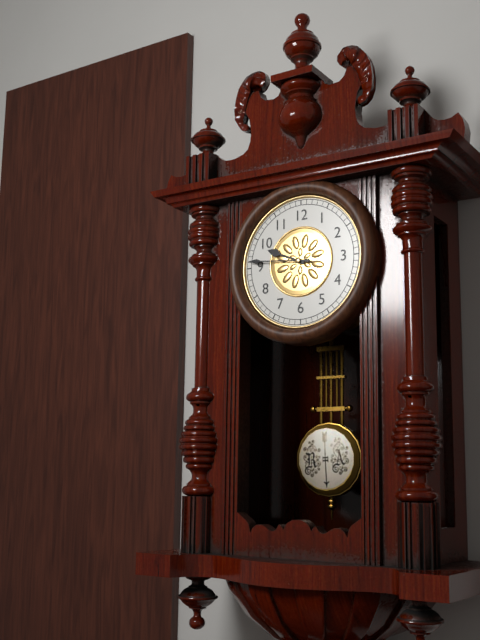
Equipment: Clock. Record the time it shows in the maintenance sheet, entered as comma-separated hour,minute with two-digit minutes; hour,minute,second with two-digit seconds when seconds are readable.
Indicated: 9,46
